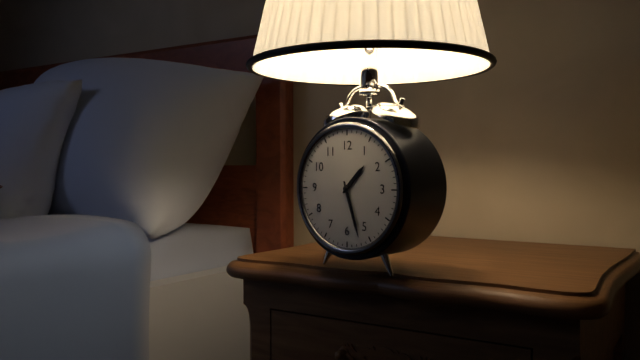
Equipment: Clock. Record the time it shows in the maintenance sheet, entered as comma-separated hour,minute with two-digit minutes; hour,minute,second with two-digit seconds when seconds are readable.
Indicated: 1,27
